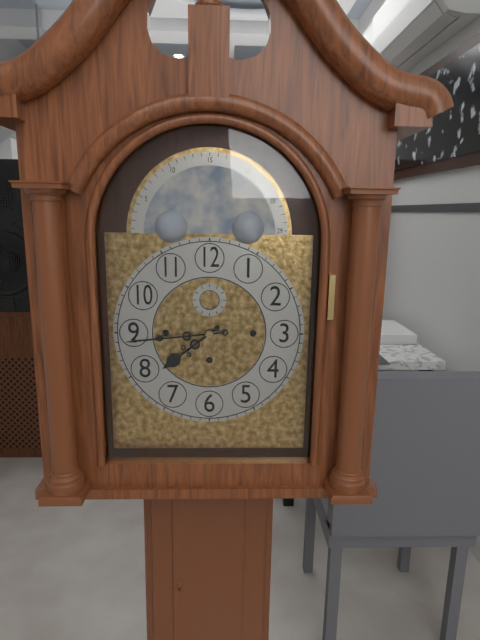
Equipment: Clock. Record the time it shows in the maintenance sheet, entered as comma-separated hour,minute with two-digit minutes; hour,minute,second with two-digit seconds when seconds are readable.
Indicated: 7,44
